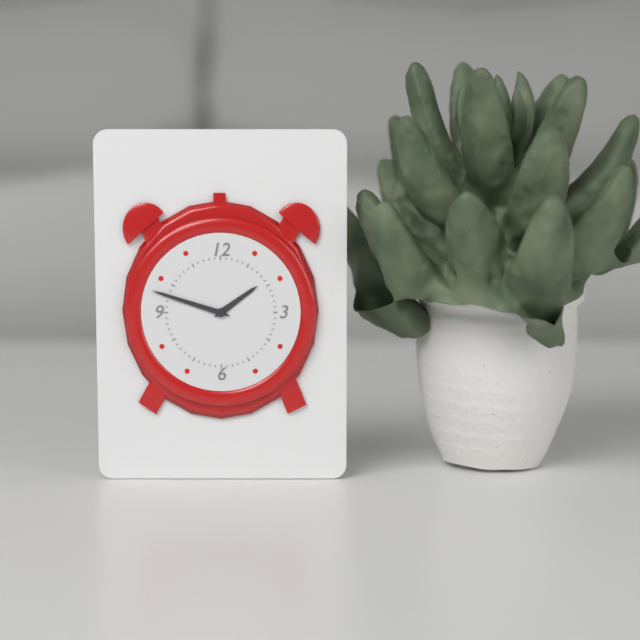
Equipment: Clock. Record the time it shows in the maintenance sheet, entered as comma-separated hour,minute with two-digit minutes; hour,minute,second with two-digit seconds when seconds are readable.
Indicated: 1,48
